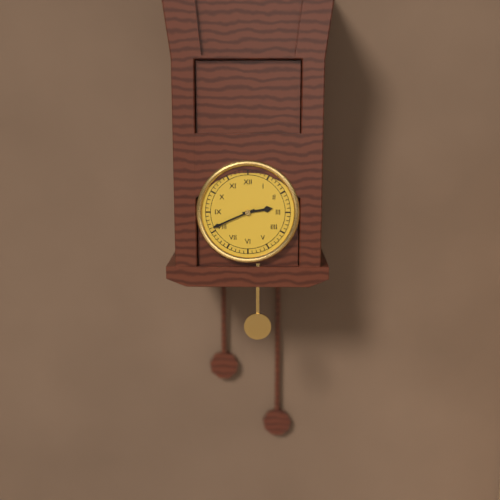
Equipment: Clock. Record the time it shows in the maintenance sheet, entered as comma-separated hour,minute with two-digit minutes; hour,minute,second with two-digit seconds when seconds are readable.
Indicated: 2,41
